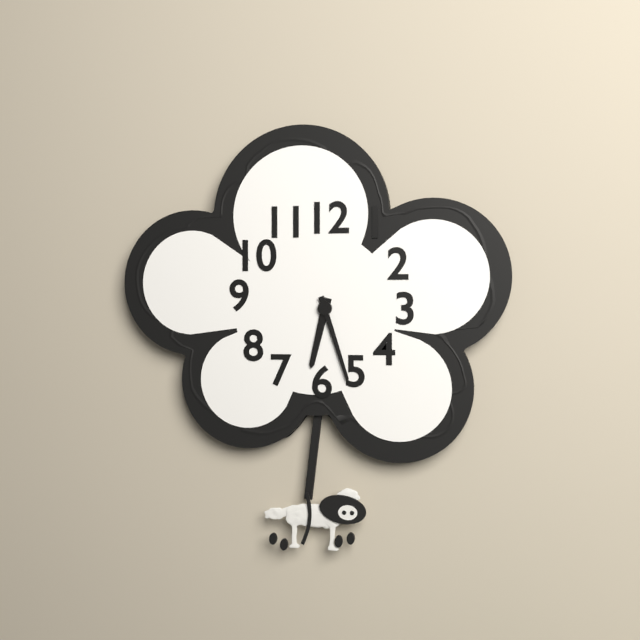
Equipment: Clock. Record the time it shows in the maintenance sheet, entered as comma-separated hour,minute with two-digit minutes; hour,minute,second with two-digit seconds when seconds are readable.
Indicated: 6,27
